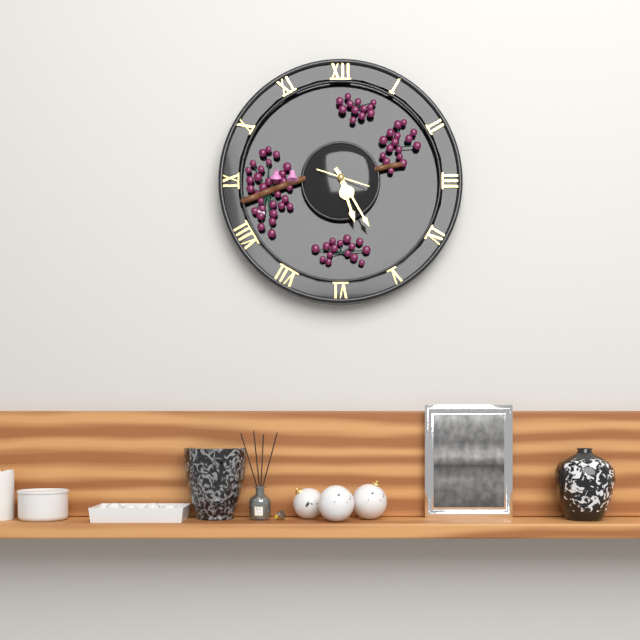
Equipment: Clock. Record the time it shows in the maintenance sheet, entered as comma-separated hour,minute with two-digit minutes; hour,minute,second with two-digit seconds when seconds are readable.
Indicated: 5,25
